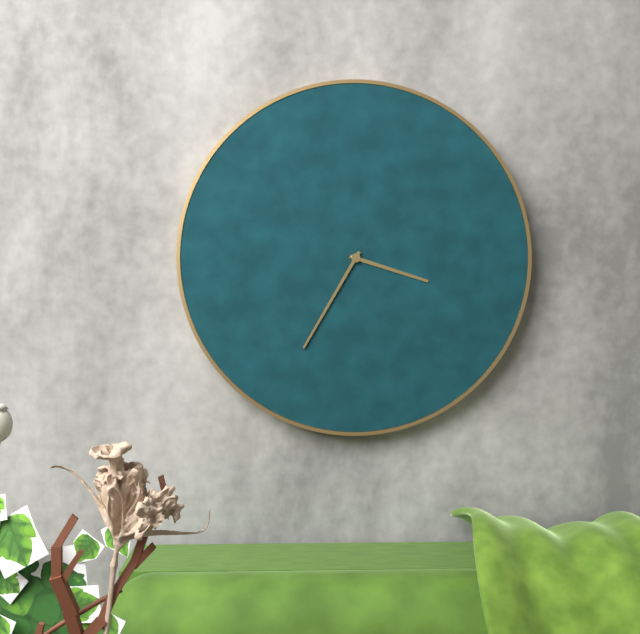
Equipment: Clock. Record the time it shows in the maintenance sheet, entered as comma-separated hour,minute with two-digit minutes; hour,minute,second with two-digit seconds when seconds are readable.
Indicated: 3,35
